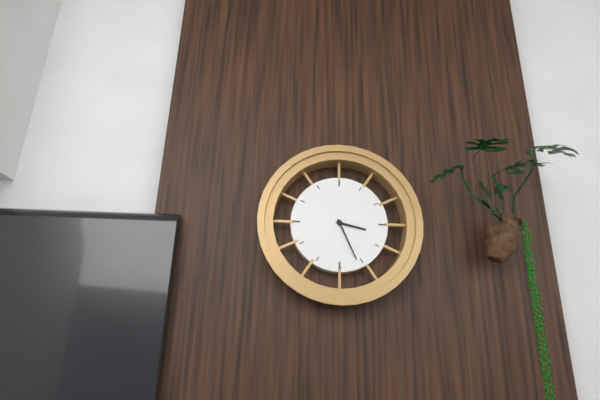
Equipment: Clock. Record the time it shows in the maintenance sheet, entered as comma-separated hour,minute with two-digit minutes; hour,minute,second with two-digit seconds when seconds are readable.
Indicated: 3,26
